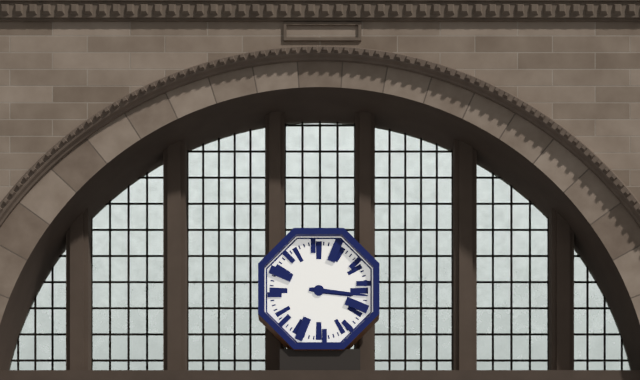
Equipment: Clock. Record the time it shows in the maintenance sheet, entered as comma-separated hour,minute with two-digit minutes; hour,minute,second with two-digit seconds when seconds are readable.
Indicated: 3,16
